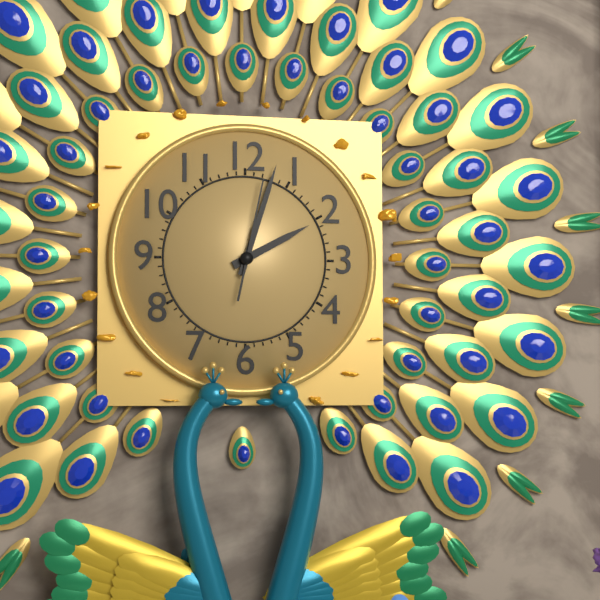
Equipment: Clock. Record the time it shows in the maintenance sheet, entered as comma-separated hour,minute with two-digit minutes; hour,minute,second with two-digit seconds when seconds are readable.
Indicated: 2,03,02
